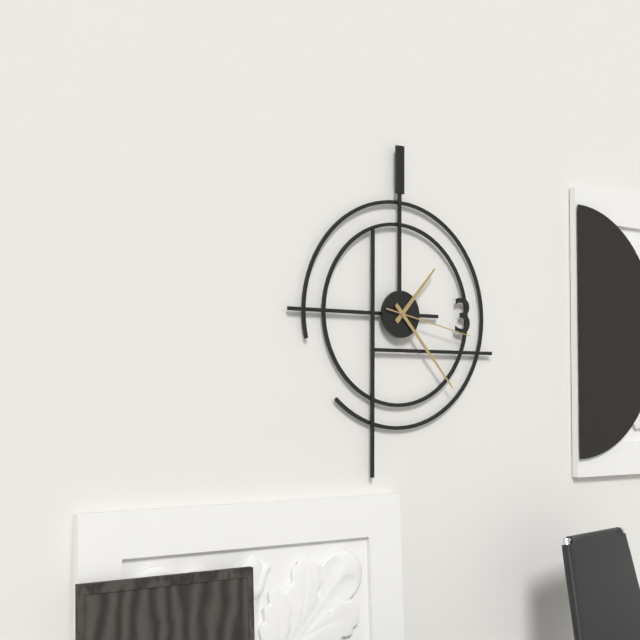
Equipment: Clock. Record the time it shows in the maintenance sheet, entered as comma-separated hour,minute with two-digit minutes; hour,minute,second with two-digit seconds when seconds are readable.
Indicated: 1,23,17
